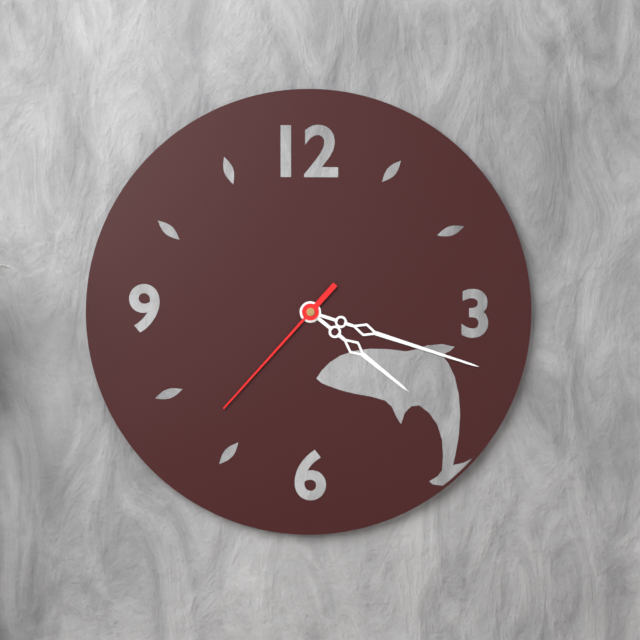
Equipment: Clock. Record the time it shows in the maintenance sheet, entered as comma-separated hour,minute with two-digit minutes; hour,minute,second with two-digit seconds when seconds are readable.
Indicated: 4,18,37
